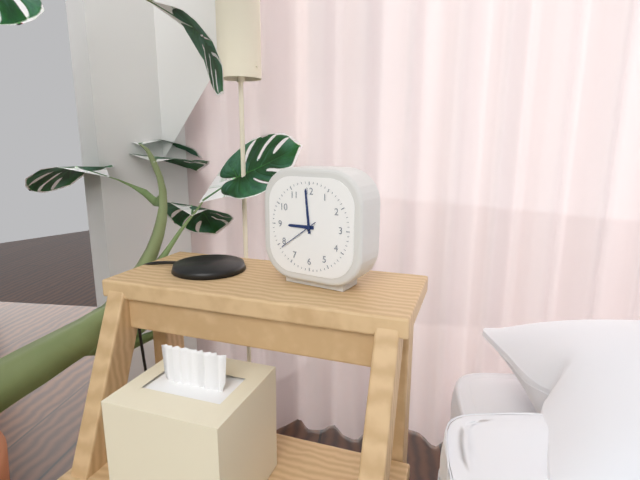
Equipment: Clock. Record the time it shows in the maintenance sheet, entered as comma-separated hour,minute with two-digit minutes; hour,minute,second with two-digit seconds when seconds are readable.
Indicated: 8,59
